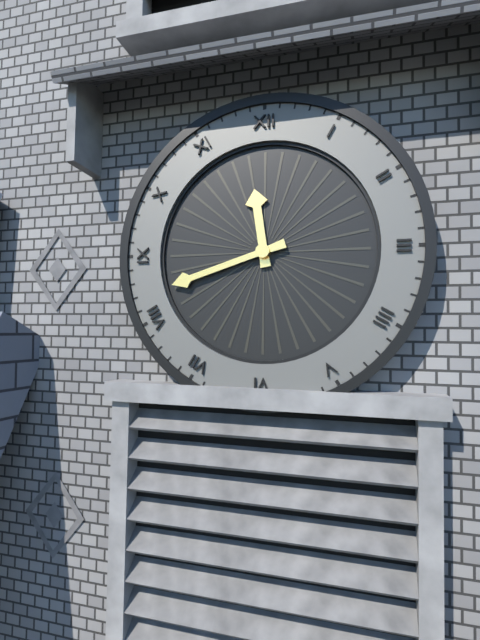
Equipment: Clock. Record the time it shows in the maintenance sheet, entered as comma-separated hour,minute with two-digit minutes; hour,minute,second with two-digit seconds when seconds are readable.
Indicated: 11,42
